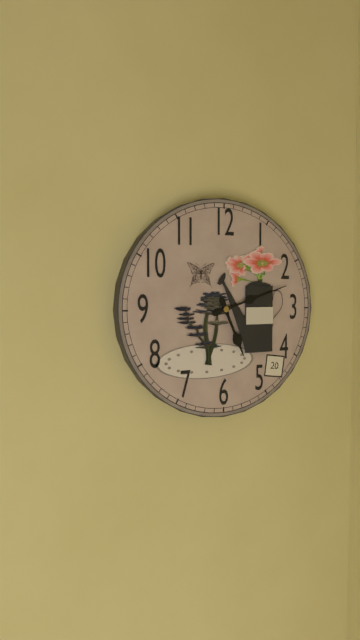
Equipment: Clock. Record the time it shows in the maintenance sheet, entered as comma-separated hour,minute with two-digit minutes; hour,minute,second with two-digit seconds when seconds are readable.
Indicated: 5,12
